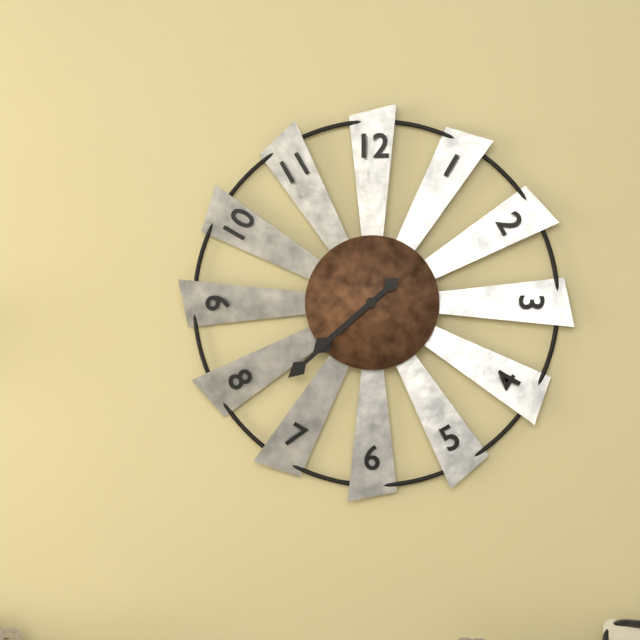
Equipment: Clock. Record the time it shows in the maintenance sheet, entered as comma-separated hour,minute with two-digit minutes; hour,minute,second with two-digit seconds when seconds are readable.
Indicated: 7,38
